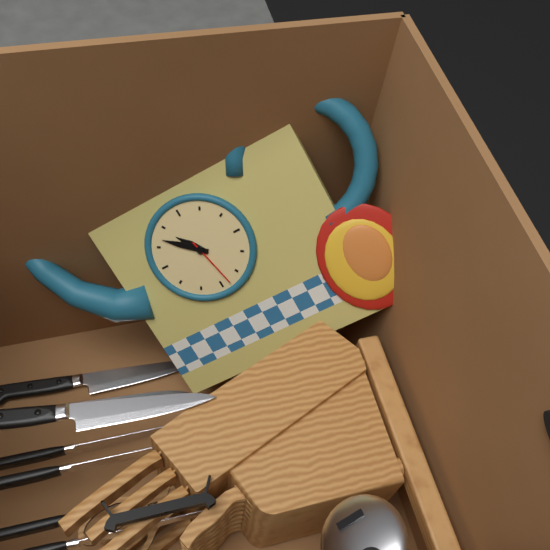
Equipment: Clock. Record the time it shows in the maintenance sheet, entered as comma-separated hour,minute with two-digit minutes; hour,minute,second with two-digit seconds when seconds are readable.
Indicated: 10,52,28
